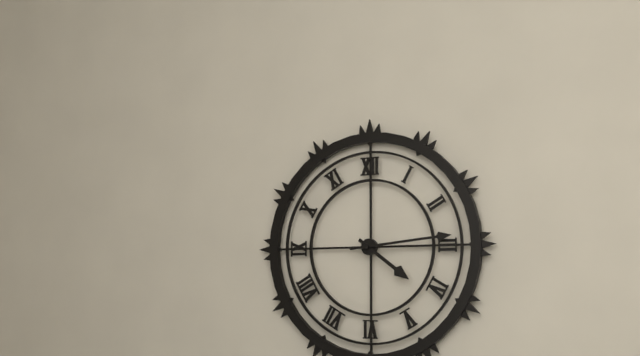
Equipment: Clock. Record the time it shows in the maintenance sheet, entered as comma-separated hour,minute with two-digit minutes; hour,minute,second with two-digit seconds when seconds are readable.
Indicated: 4,14
